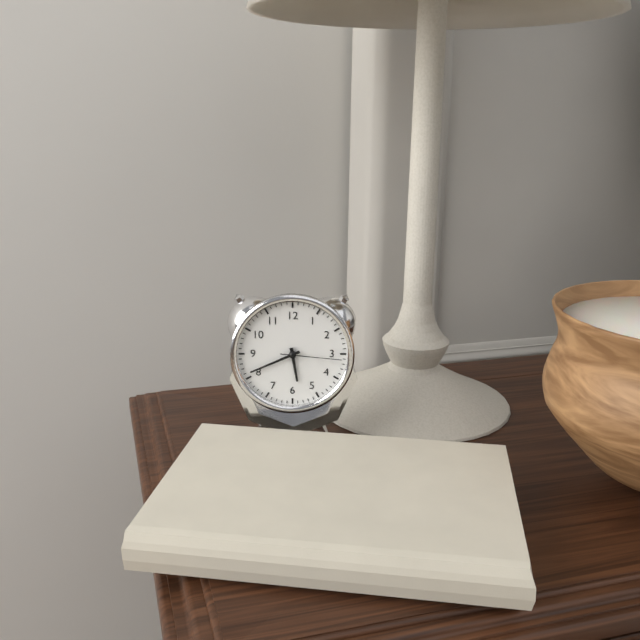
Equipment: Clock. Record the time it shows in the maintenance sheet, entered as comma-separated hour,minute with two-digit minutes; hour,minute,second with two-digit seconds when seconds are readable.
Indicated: 5,41,16
